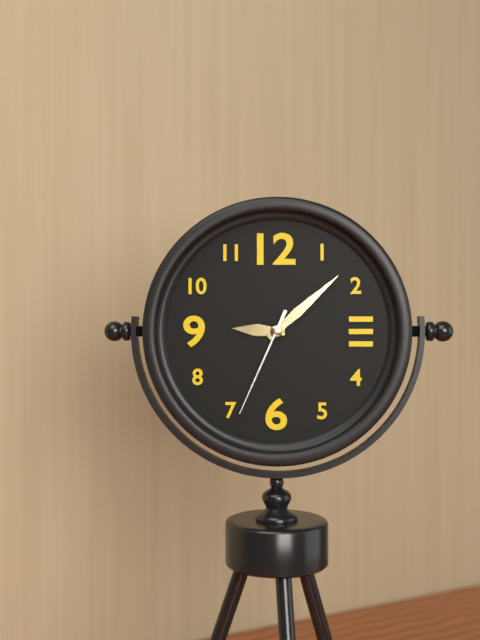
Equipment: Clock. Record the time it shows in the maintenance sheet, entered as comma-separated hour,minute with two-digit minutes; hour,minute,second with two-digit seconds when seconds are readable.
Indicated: 9,08,34
